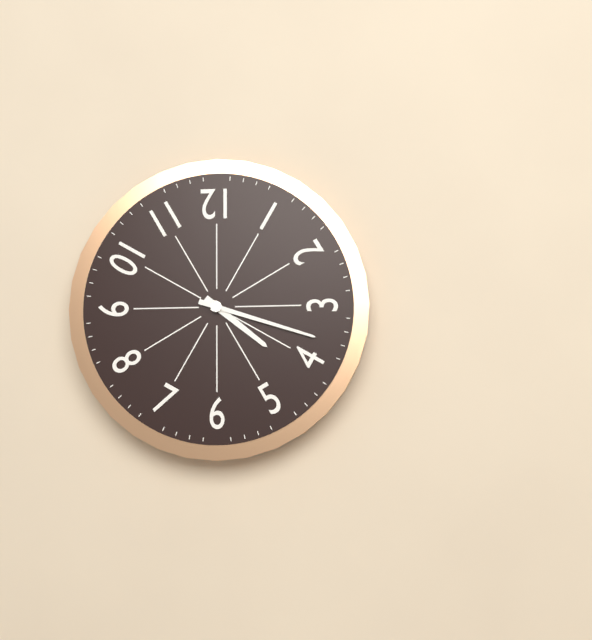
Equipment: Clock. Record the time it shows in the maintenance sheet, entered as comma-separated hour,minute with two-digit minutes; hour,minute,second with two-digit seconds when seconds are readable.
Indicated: 4,18
